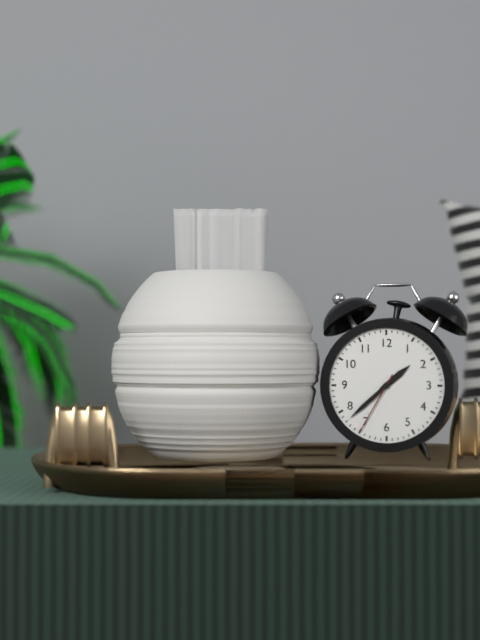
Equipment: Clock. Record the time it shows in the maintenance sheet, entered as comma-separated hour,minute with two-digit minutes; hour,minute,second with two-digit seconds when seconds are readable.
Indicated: 1,38,35
